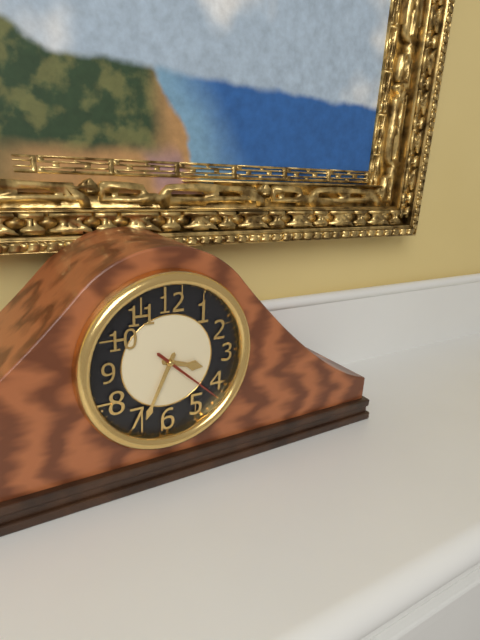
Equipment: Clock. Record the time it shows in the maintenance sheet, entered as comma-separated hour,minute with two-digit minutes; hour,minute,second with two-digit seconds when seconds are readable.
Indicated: 3,34,22
